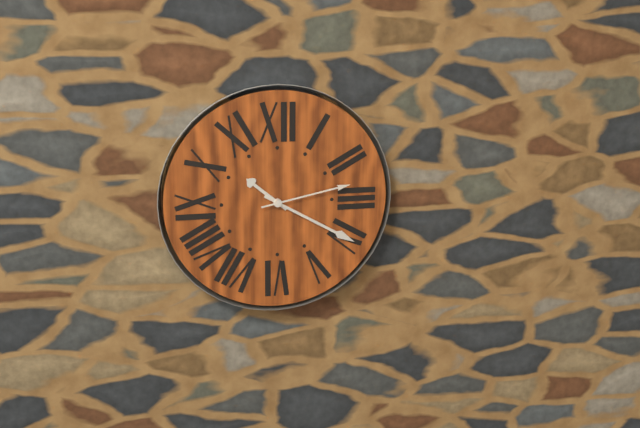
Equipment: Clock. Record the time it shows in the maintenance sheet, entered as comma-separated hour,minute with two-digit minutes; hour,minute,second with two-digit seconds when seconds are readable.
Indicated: 10,20,13
